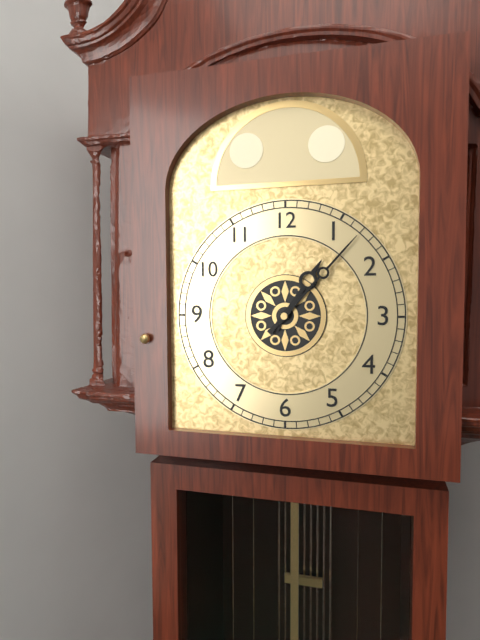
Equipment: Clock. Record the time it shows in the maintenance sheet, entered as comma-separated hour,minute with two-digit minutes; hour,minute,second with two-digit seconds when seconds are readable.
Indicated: 1,07
